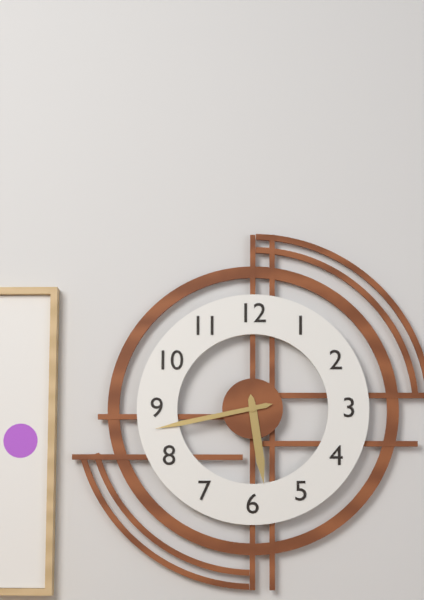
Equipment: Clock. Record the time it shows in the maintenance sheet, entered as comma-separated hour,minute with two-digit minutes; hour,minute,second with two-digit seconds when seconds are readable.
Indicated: 5,43
